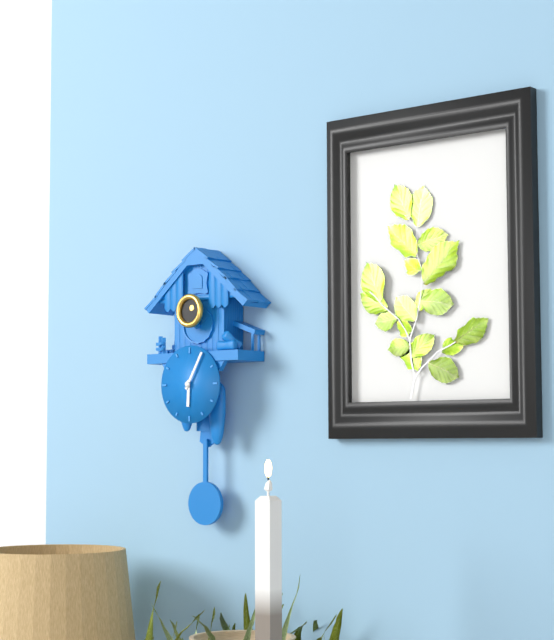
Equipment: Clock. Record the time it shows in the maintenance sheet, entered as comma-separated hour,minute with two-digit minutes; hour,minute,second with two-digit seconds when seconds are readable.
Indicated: 6,05
